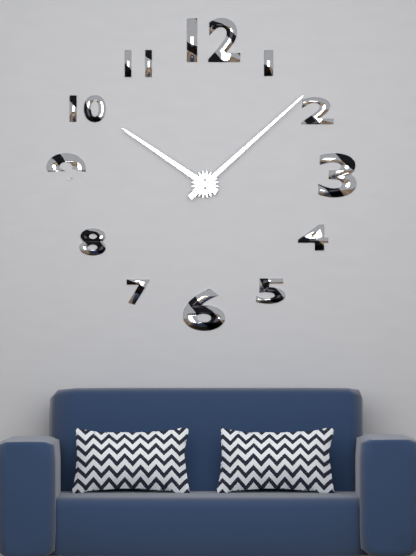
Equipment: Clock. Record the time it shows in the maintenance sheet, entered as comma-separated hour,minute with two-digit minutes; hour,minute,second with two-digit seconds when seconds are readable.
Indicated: 10,08
